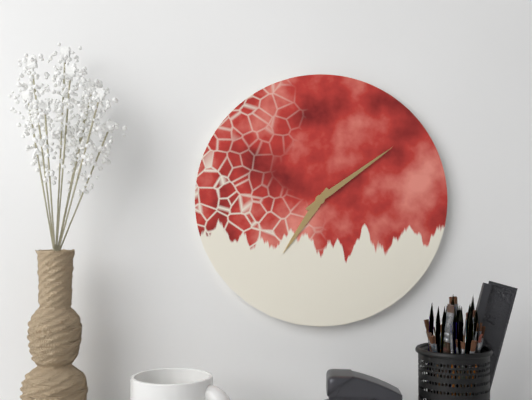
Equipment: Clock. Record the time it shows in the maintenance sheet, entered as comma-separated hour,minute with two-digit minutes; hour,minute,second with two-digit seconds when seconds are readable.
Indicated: 7,09
